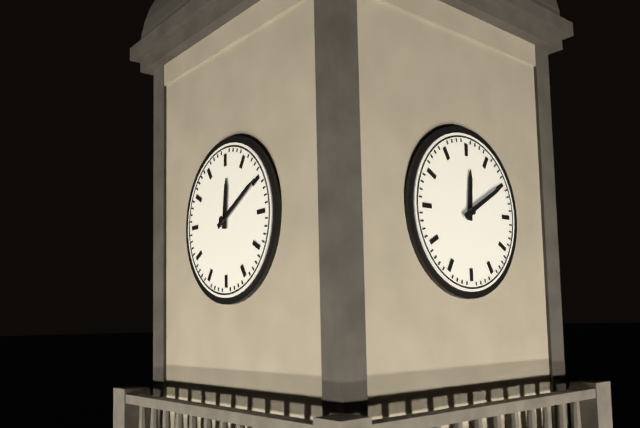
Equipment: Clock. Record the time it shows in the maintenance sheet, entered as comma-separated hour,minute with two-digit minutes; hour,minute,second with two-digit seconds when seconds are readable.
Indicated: 12,10
